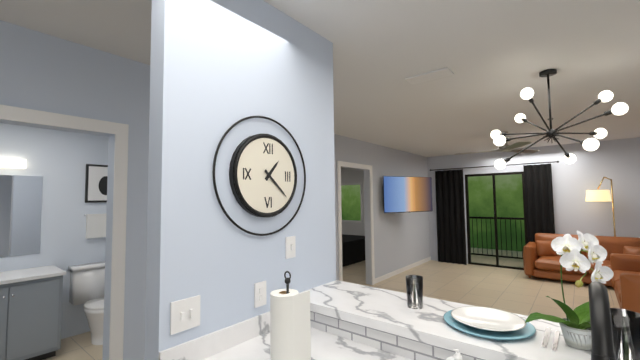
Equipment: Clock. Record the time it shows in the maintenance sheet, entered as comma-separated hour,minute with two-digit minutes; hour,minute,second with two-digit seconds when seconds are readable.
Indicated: 1,22
